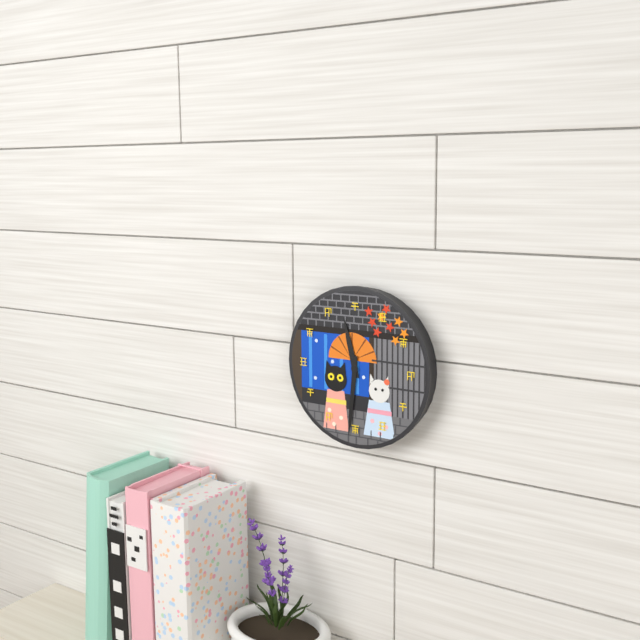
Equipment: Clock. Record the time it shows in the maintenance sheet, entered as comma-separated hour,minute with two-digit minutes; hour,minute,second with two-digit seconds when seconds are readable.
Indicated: 11,31
